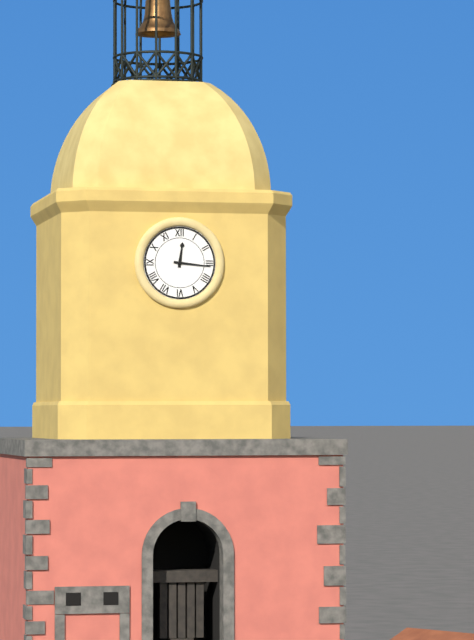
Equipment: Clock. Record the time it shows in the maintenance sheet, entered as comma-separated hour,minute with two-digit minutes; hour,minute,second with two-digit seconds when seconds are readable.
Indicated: 12,16
